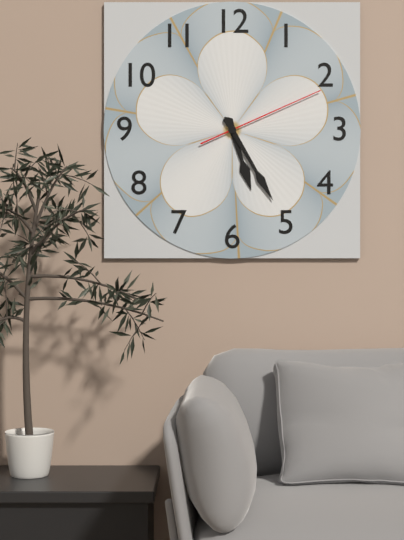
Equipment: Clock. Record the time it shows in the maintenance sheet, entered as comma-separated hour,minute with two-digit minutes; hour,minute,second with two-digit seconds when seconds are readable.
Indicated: 5,25,11
